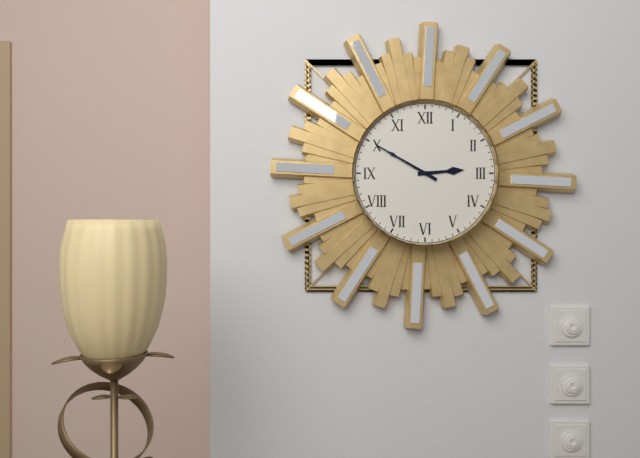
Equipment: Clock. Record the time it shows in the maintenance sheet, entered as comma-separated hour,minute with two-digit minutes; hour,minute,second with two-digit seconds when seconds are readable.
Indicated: 2,50
